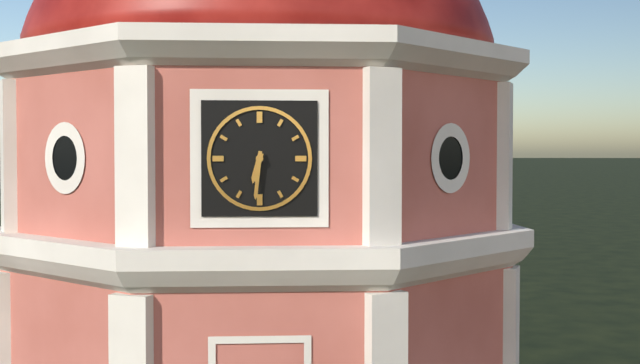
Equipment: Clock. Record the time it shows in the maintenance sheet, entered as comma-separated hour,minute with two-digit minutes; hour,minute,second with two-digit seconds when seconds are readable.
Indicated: 6,31
